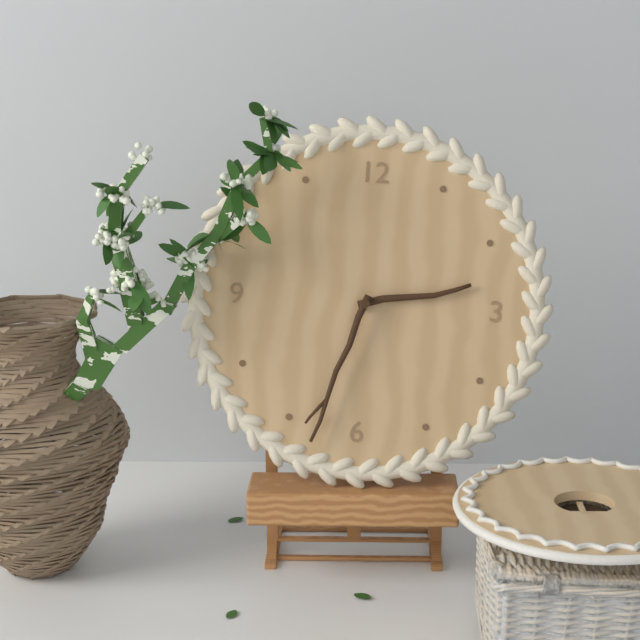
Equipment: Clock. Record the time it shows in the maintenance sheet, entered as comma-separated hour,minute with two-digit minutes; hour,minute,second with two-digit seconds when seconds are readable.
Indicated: 2,33
